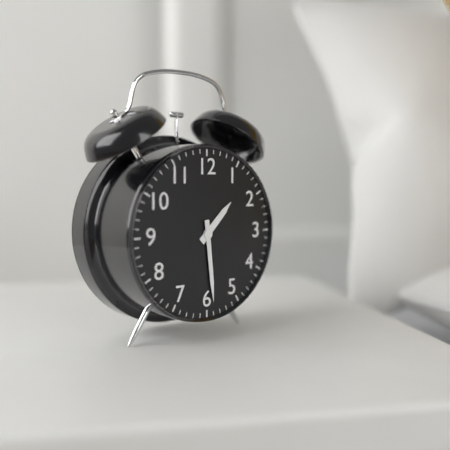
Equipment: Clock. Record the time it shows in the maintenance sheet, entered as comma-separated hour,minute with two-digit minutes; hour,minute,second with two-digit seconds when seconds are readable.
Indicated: 1,29
